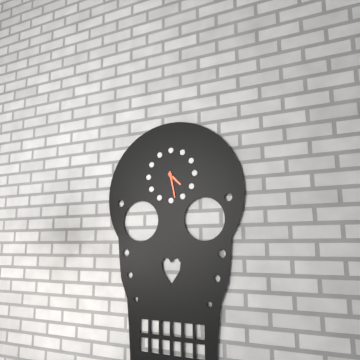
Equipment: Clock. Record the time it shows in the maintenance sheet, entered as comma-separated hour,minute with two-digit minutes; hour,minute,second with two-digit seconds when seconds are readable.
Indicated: 4,28
